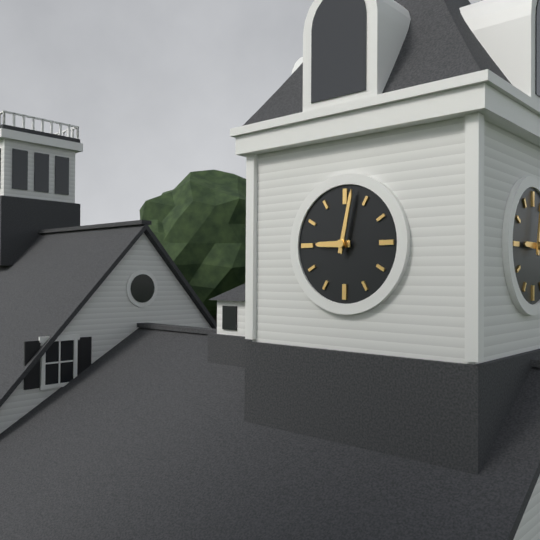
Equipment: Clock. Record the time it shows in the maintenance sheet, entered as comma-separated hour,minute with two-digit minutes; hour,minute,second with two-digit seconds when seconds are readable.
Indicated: 9,02
